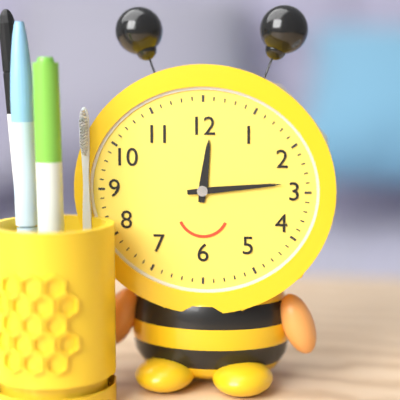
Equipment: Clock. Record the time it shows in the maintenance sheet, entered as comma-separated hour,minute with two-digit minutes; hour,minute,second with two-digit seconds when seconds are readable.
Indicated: 12,14
